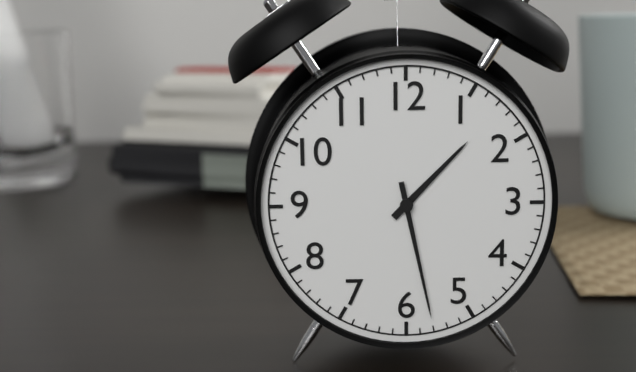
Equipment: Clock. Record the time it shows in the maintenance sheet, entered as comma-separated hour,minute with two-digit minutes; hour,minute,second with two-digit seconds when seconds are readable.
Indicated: 1,28
